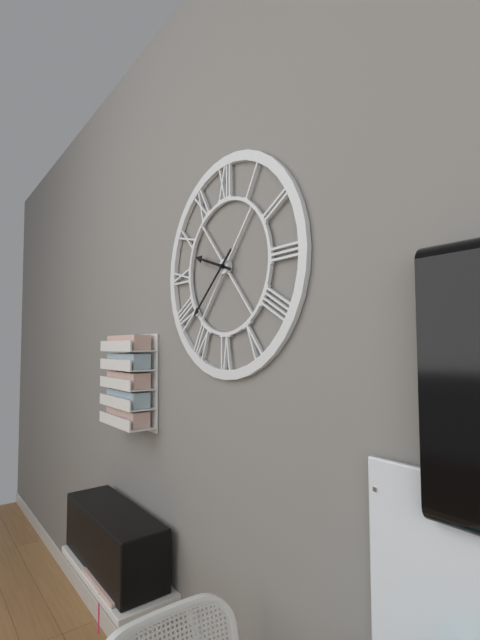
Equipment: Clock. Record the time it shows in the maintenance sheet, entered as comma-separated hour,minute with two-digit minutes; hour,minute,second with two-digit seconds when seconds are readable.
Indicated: 9,38
